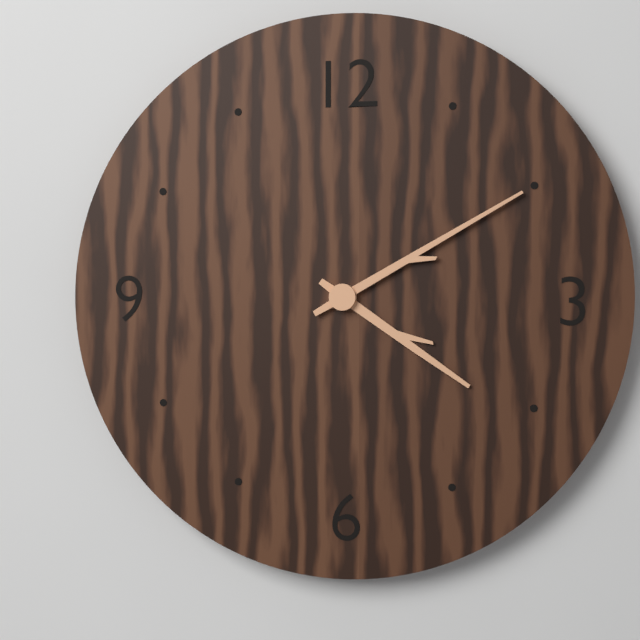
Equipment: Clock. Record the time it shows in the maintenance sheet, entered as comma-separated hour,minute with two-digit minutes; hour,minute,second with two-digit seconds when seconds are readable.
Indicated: 4,10
